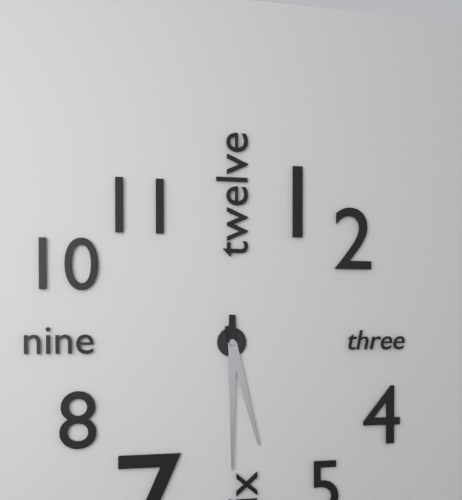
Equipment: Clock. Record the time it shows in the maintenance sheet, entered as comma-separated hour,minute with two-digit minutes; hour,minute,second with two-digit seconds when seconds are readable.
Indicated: 5,30
